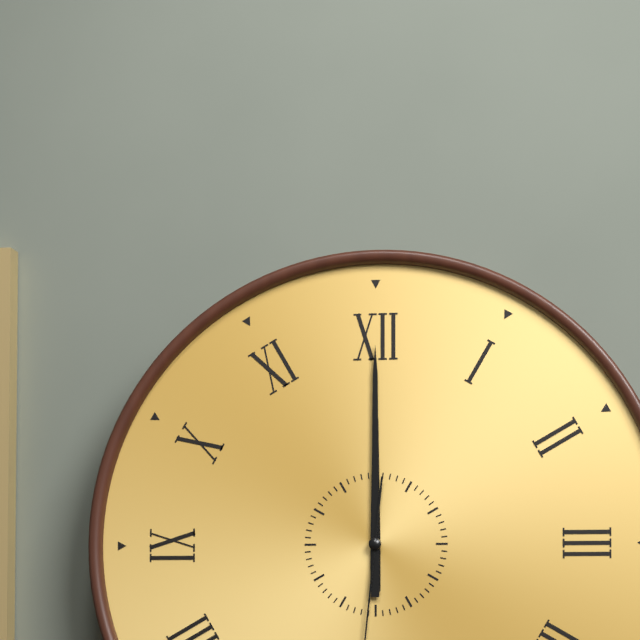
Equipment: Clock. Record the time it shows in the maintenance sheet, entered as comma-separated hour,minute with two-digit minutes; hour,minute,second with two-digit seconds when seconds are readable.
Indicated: 12,00
